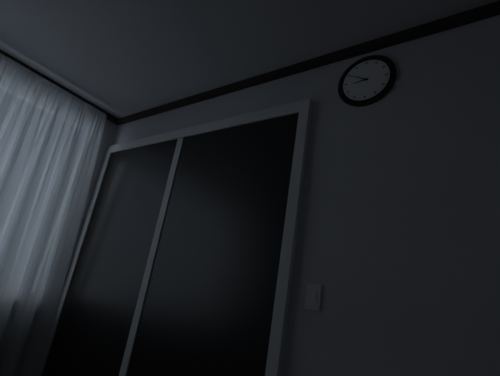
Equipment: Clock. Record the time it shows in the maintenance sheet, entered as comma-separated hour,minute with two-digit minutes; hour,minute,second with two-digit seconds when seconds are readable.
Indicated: 8,50
